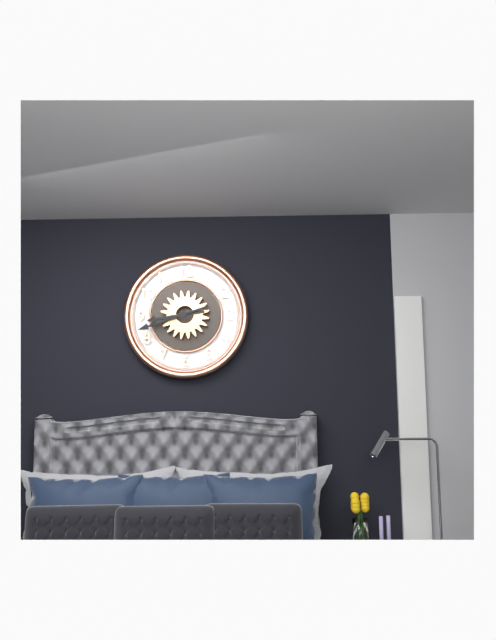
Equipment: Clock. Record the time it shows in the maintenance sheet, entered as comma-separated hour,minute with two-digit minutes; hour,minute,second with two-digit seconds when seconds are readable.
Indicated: 8,42
